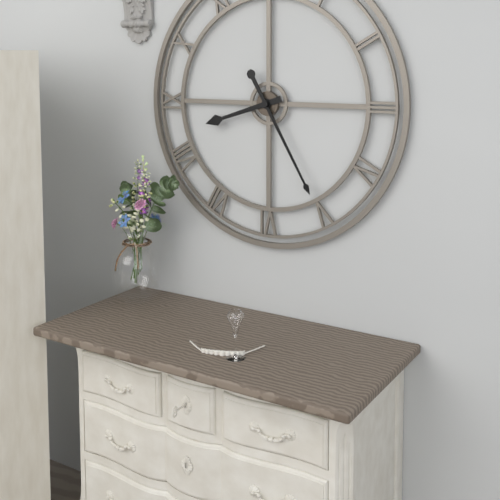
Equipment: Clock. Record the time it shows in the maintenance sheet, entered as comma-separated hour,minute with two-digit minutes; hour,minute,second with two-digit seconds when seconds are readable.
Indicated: 8,25
